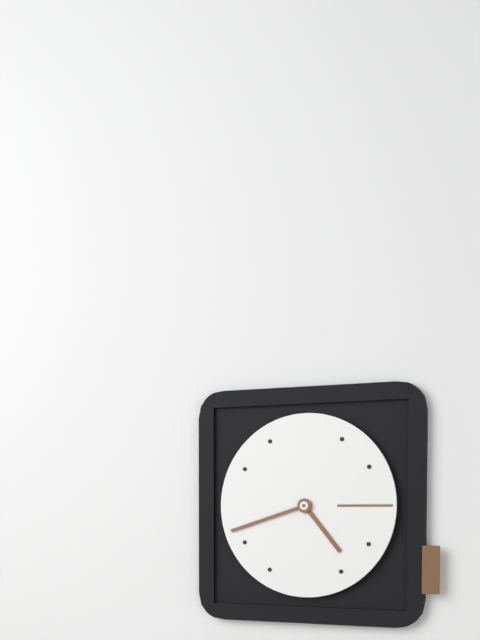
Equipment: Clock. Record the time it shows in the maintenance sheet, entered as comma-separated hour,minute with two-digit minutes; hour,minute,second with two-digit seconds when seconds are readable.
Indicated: 4,42
